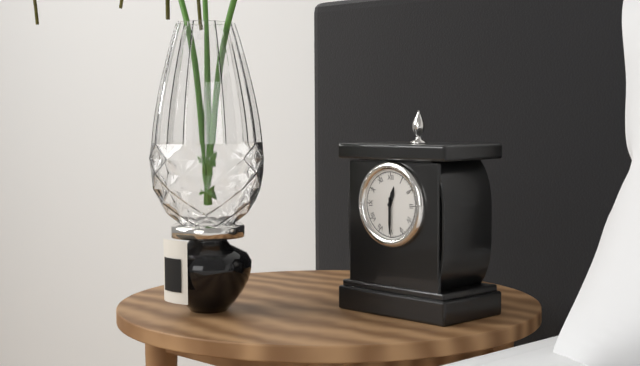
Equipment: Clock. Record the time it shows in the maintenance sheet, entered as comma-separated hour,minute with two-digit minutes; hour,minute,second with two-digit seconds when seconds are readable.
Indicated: 12,30
